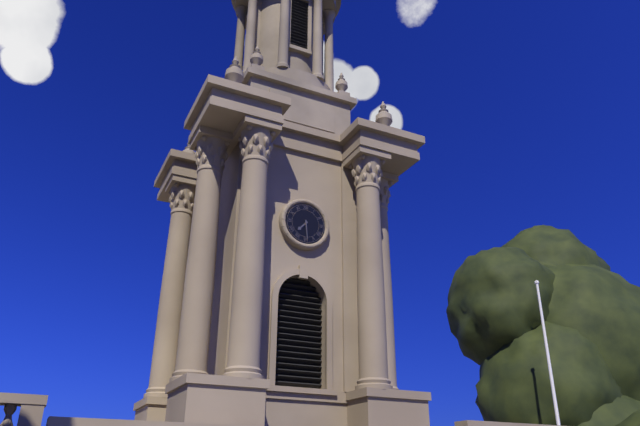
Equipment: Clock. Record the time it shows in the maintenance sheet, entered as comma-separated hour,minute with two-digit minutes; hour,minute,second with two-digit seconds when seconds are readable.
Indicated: 7,29
